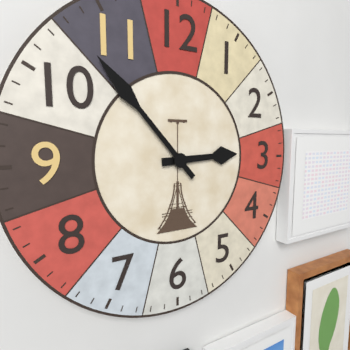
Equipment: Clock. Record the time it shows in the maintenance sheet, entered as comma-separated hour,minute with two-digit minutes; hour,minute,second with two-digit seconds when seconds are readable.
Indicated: 2,53
